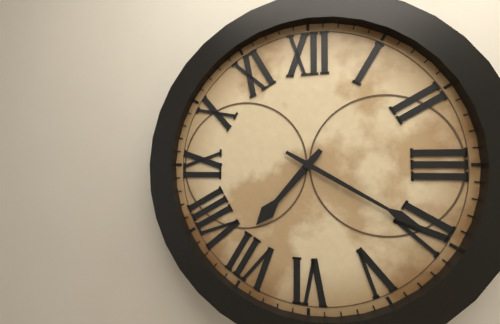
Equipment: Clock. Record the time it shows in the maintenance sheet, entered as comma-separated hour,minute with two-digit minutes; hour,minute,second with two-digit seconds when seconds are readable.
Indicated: 7,20
